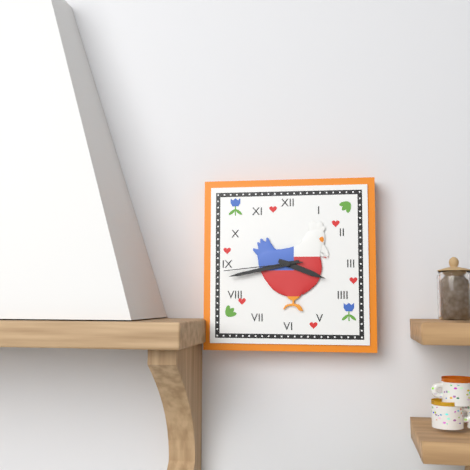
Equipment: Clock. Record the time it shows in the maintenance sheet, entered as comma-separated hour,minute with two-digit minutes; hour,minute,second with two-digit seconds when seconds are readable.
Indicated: 3,43,44
